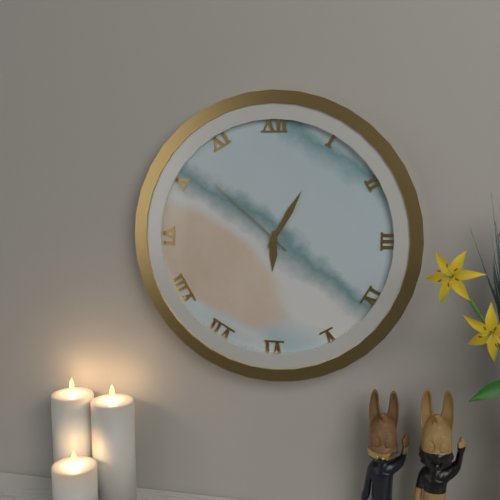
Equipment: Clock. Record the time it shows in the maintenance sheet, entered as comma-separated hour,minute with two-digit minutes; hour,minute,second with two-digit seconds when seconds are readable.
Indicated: 6,05,52
